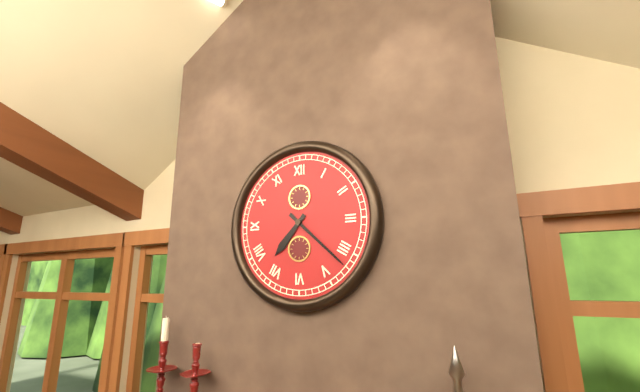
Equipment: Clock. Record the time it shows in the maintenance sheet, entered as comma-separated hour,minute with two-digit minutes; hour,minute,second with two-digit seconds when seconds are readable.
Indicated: 7,22
